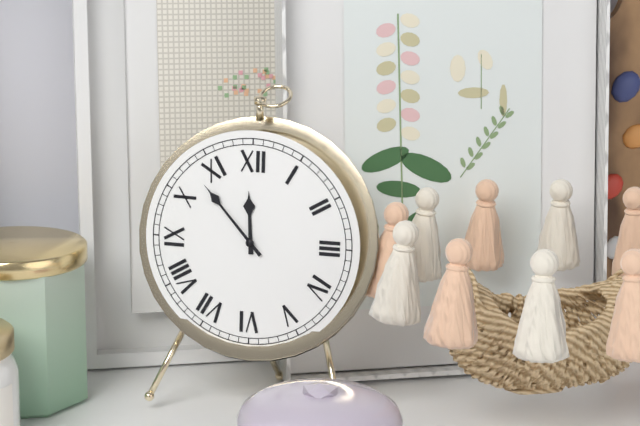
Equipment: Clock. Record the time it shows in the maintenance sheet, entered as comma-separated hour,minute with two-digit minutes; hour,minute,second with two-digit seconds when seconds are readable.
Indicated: 11,53
